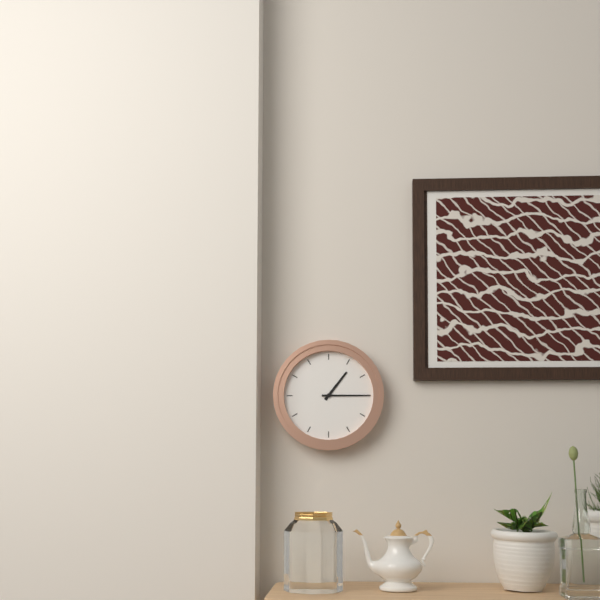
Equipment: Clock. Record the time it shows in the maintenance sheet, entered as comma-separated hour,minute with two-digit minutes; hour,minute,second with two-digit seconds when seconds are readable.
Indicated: 1,15
